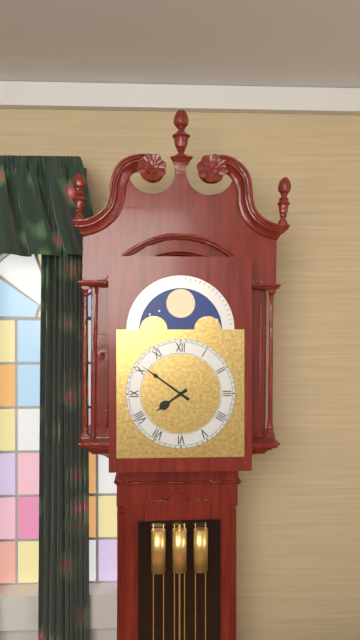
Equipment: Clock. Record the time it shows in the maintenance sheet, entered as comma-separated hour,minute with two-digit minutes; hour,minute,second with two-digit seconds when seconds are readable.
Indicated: 7,51
